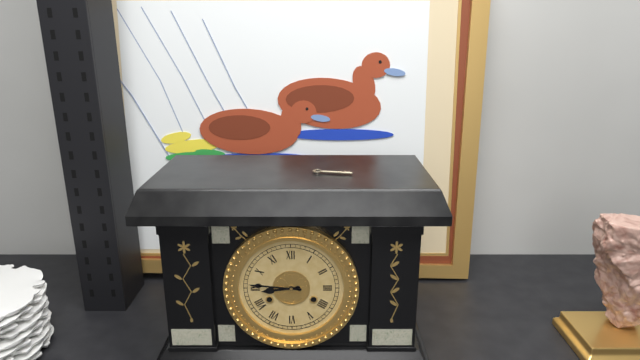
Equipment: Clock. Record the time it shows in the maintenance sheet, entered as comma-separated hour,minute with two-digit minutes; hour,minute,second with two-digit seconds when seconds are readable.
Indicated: 8,46
